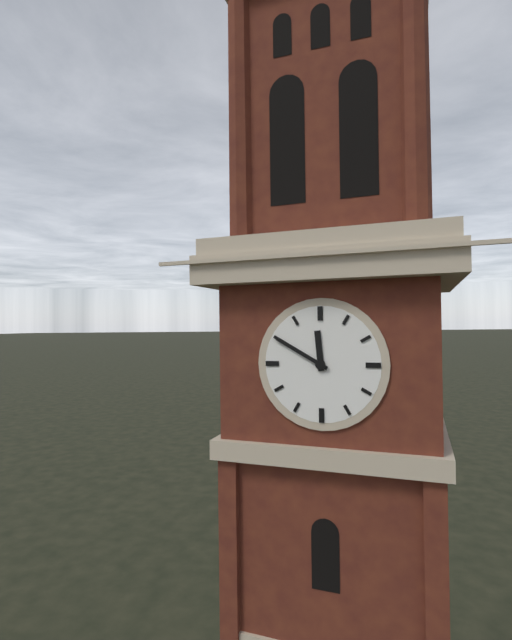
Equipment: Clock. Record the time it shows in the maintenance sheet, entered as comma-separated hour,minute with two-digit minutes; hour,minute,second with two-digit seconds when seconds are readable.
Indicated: 11,50
